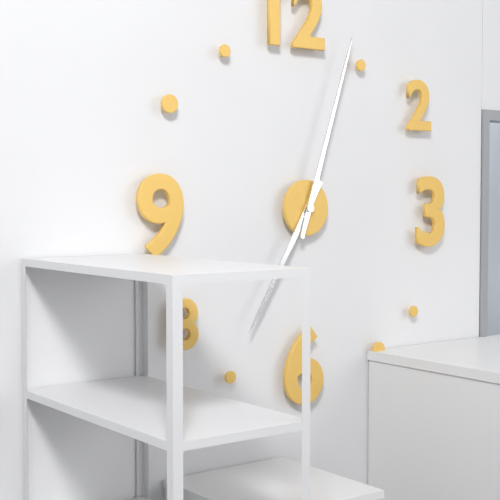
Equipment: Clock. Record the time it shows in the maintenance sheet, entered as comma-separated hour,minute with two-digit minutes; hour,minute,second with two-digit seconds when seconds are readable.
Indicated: 7,03
